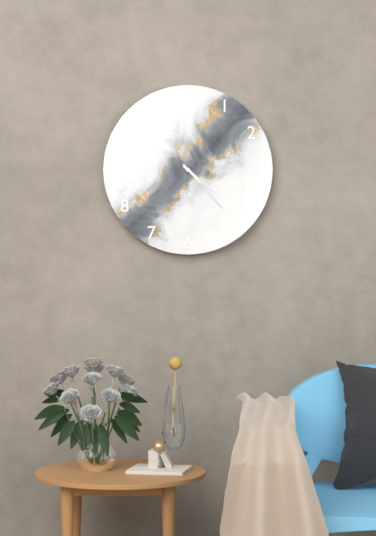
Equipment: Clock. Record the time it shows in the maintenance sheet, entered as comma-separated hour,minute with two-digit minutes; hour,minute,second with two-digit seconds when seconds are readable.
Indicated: 4,23
